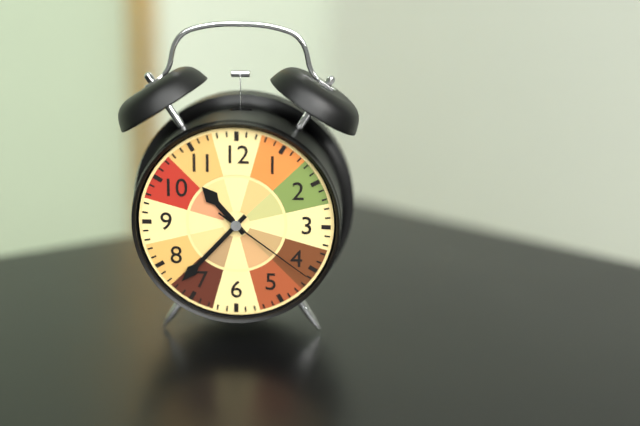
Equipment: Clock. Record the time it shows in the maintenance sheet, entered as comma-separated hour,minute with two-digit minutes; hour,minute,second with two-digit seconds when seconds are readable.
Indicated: 10,37,21
